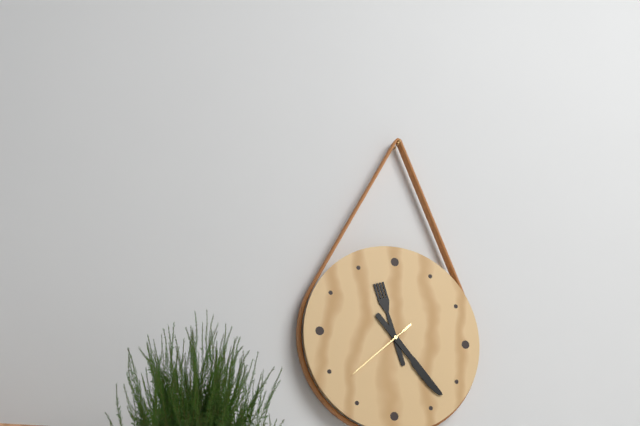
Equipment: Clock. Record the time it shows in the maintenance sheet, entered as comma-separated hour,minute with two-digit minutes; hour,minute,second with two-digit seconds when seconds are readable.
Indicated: 11,23,38
